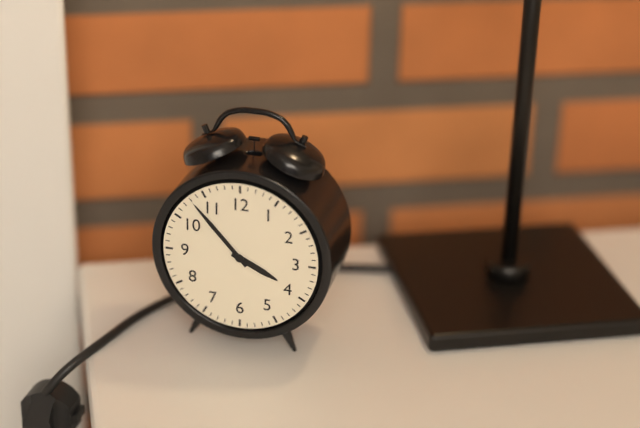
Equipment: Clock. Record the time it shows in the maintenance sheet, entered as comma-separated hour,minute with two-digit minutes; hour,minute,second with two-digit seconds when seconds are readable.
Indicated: 3,53
